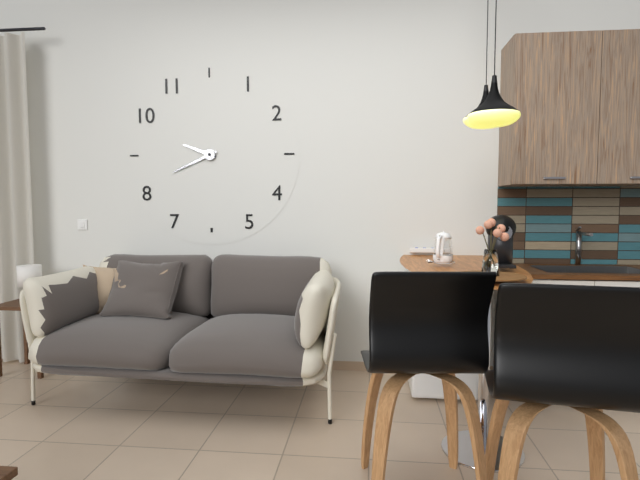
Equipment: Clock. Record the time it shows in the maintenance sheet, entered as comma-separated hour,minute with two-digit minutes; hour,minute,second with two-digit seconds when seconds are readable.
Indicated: 9,41
